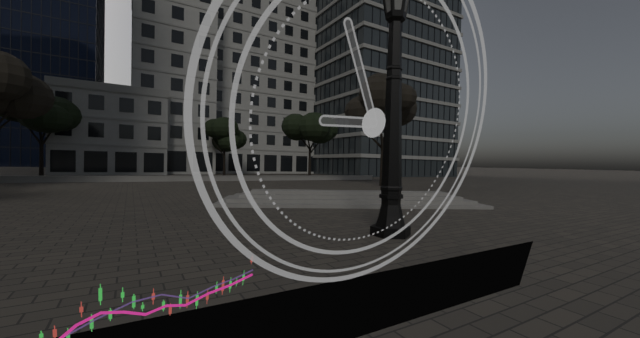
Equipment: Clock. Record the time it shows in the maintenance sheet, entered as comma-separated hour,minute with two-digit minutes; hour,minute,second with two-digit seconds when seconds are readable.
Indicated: 8,55
